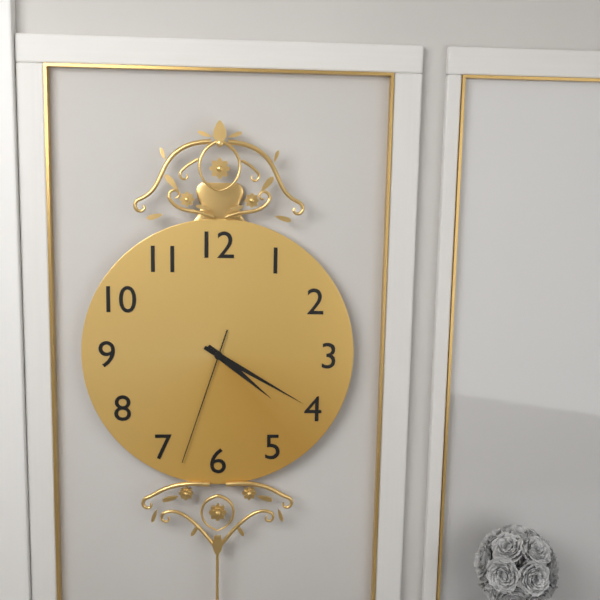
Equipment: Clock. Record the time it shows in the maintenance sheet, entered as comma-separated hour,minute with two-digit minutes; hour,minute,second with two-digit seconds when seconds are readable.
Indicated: 4,20,33
